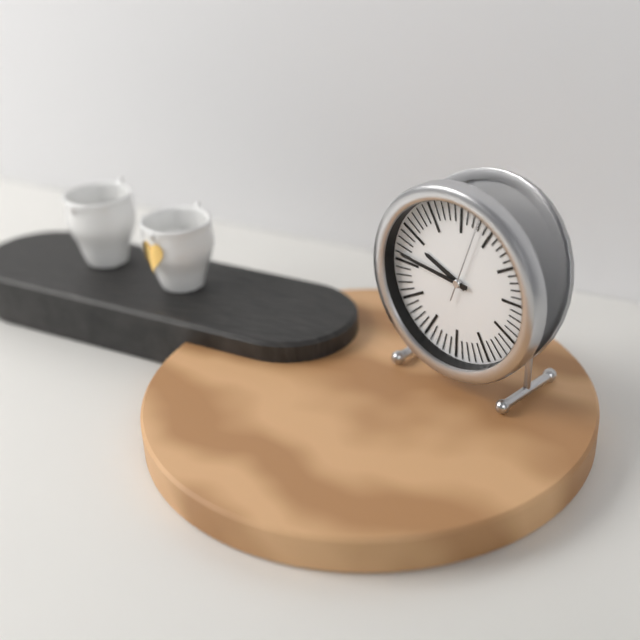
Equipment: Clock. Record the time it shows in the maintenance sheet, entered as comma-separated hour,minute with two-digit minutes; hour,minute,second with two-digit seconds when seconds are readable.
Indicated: 9,46,03
